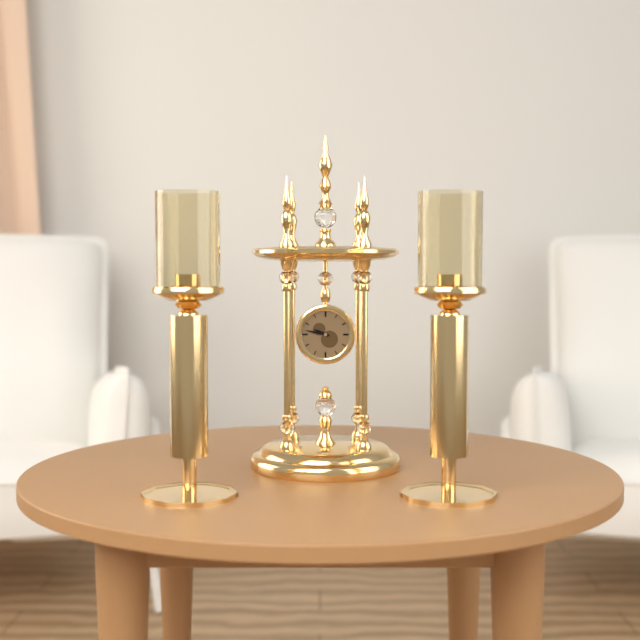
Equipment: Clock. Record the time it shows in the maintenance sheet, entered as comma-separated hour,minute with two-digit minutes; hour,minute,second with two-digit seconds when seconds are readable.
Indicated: 9,47
